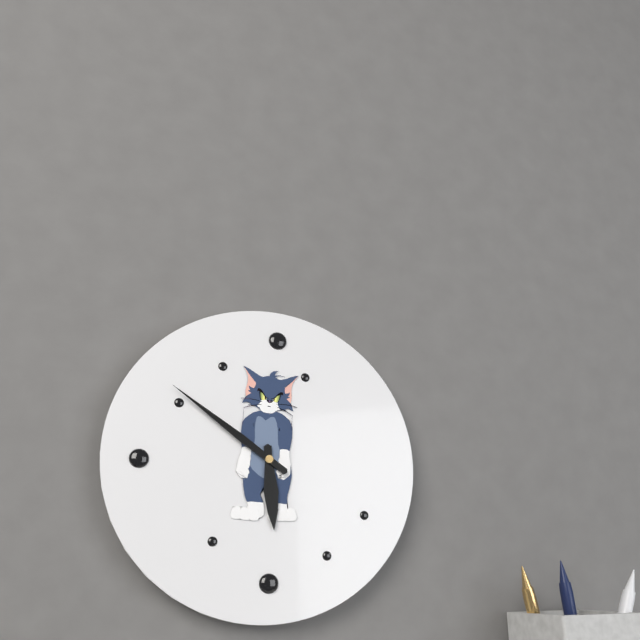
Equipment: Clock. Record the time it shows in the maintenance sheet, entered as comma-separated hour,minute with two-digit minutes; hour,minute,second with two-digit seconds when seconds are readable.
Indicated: 5,51
